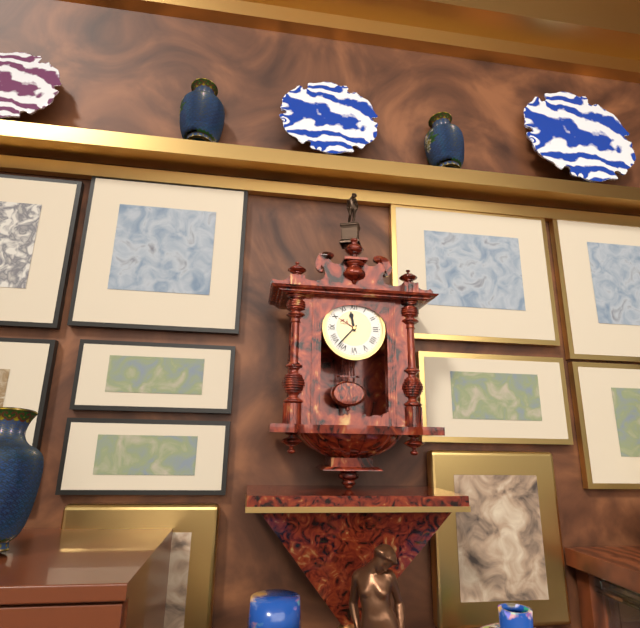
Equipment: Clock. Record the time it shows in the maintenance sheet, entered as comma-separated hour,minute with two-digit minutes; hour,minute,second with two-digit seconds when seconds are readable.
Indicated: 11,37
